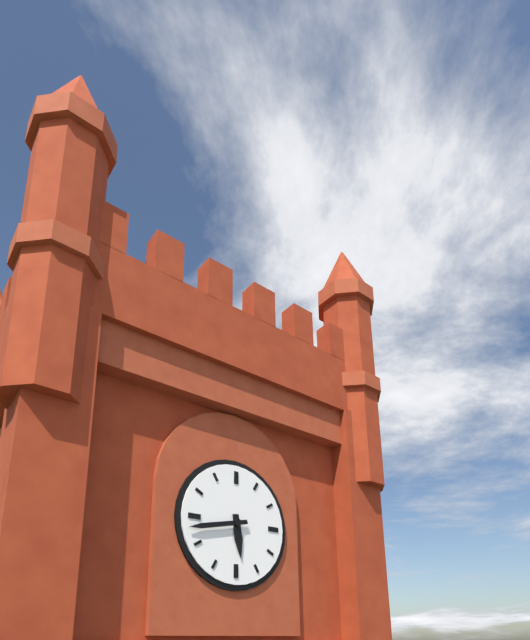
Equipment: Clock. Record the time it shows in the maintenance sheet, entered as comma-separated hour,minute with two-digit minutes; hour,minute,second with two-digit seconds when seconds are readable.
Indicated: 5,43
